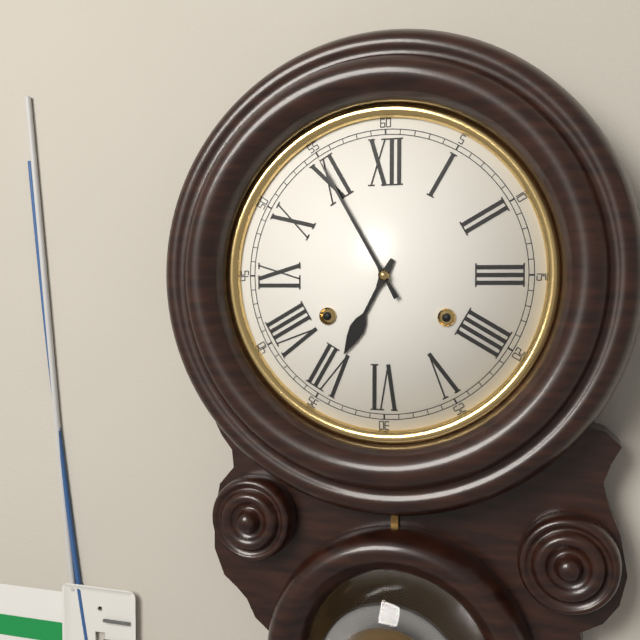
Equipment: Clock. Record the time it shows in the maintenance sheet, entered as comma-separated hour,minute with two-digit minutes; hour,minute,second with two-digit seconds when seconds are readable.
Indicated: 6,55
